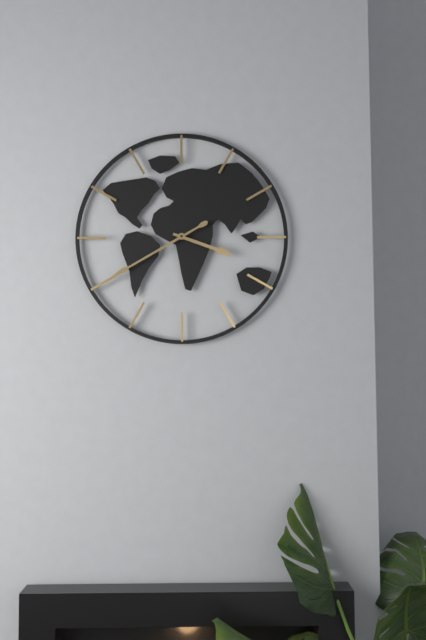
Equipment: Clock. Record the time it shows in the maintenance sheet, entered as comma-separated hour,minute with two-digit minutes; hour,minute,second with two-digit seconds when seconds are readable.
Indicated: 3,40
